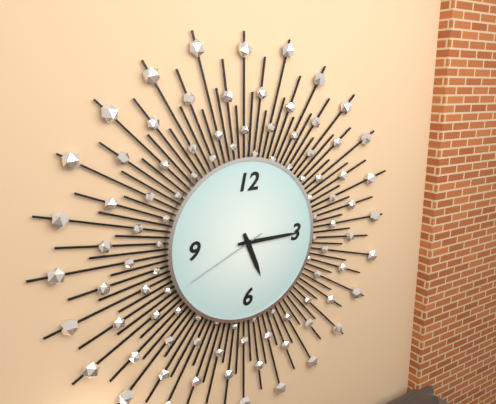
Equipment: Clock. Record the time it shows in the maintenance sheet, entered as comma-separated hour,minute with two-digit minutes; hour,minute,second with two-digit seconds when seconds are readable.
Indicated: 5,15,41
